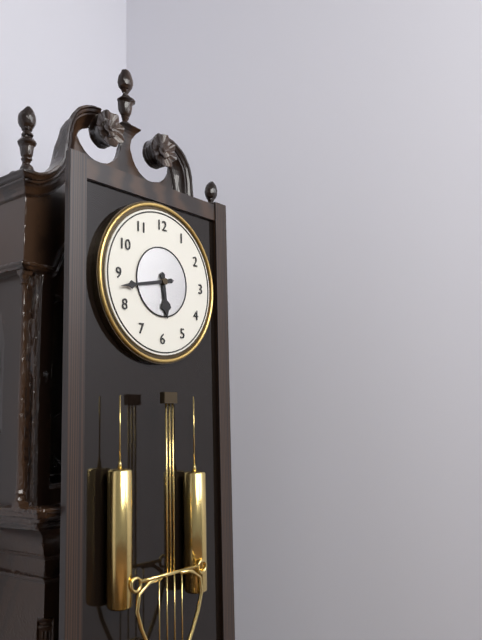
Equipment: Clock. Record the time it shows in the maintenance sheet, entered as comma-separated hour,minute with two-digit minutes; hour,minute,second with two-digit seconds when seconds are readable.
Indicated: 5,43
